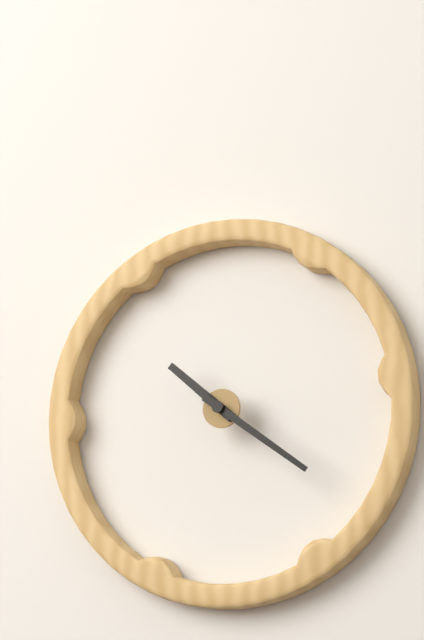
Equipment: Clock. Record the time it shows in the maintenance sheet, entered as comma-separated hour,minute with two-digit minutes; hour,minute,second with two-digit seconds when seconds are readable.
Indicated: 10,21
